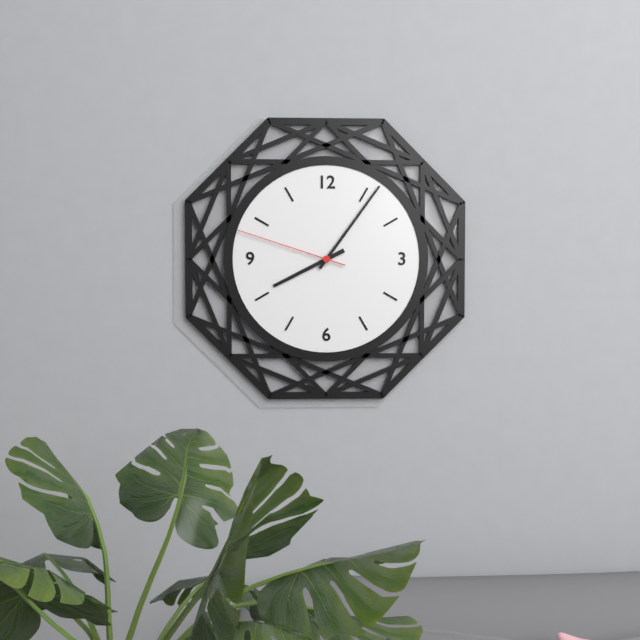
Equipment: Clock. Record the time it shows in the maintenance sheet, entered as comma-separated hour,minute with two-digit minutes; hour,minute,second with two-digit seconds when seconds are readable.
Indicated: 8,06,48
